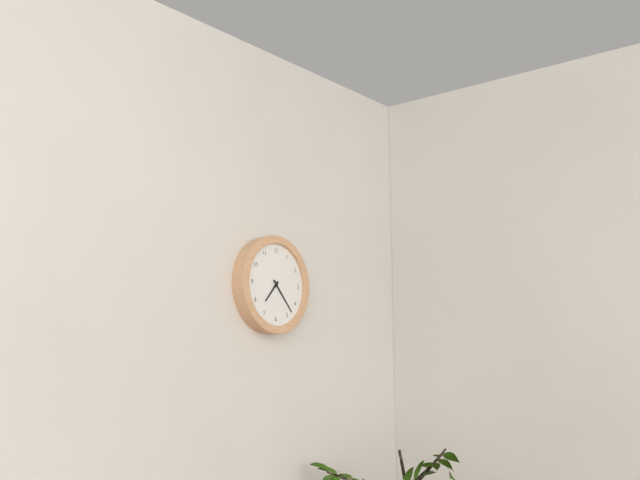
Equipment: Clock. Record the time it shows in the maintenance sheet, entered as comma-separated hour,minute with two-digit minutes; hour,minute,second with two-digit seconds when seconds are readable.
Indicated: 7,23
